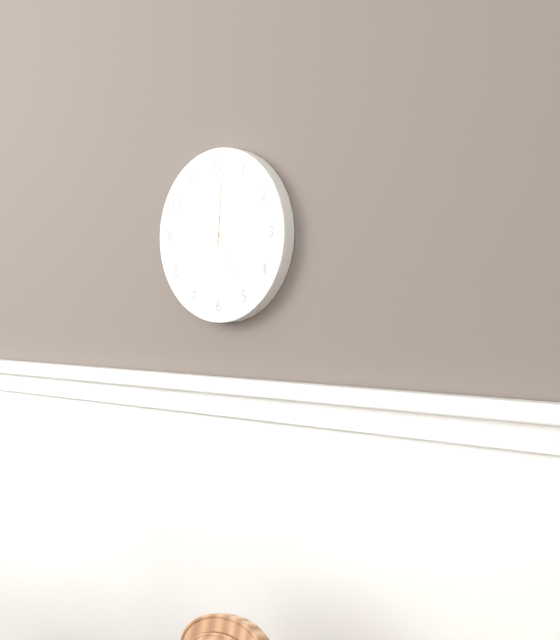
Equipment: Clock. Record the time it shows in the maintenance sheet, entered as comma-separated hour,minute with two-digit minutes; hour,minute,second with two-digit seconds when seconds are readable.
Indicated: 5,01
